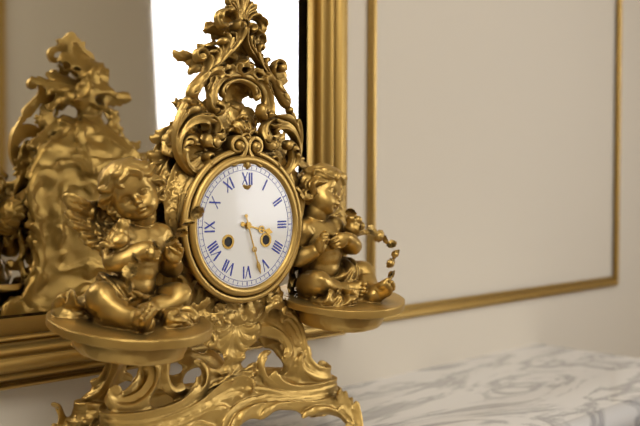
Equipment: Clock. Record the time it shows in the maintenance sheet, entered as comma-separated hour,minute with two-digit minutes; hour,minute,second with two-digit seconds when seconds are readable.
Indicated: 3,27
